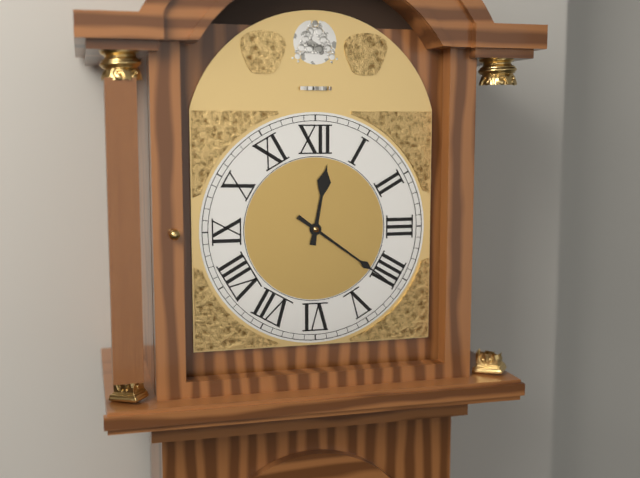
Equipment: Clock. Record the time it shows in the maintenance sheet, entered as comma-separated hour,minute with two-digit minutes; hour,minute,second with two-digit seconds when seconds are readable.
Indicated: 12,21
